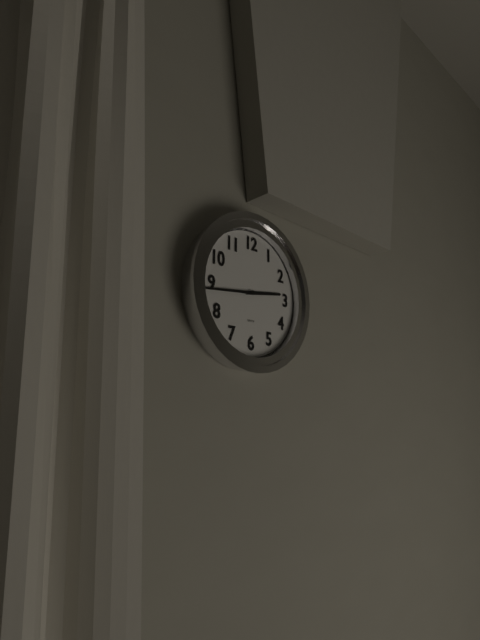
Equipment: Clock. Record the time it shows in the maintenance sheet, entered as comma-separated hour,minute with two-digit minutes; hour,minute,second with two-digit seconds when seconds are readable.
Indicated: 2,44
